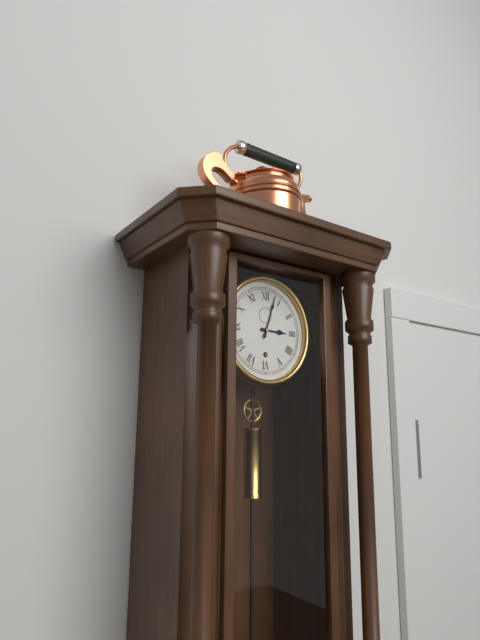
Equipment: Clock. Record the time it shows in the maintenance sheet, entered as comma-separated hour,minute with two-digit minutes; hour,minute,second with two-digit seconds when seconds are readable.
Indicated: 3,03
